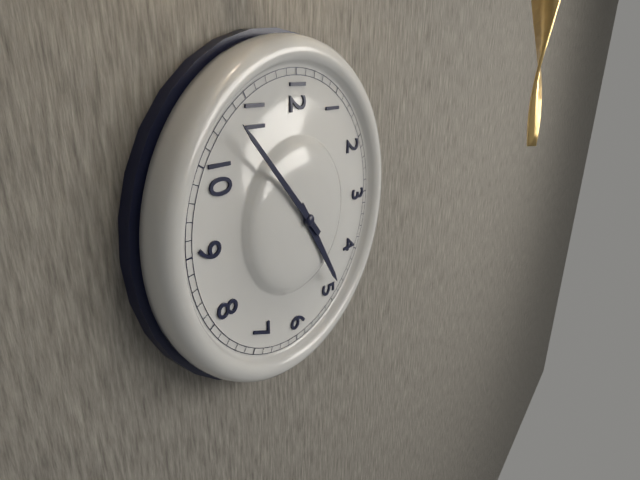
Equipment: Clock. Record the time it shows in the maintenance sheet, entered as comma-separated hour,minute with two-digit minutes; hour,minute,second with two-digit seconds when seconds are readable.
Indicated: 4,53
